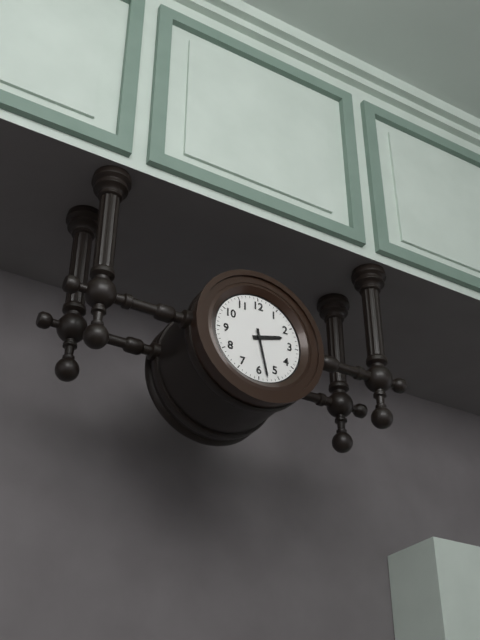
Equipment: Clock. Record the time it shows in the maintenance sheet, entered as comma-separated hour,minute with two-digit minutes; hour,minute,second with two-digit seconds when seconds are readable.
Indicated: 2,28
